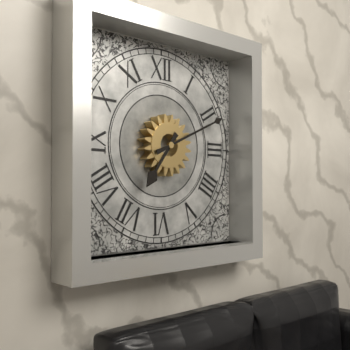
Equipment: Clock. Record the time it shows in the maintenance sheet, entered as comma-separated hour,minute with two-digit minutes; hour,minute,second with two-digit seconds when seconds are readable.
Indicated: 7,11
